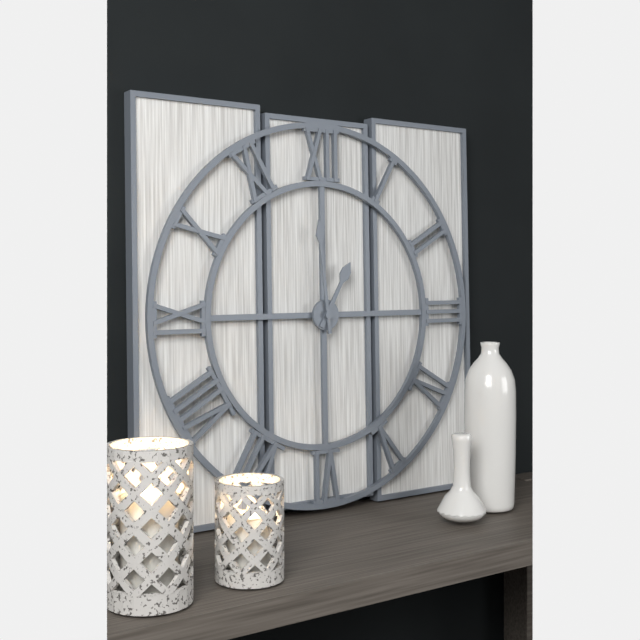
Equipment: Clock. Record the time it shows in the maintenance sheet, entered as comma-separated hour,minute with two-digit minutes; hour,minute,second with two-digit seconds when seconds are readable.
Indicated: 12,59
